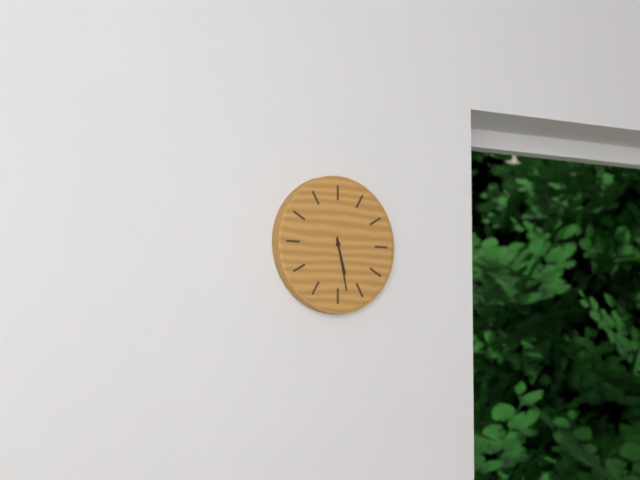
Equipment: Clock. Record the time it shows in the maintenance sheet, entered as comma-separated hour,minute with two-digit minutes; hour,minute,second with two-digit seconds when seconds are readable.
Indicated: 5,28
